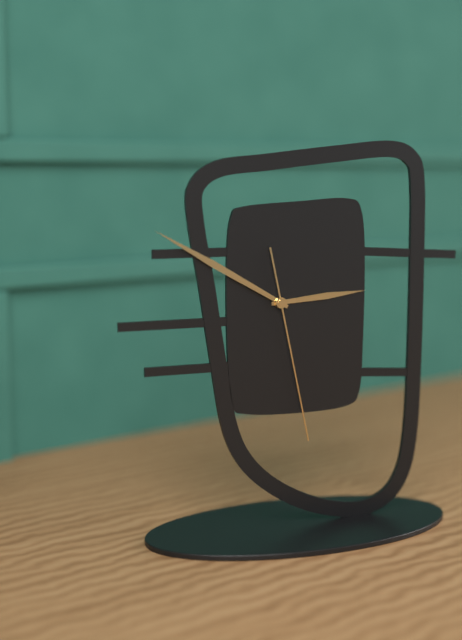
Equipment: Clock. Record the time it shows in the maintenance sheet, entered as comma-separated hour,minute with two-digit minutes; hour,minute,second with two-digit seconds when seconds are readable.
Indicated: 2,50,28
